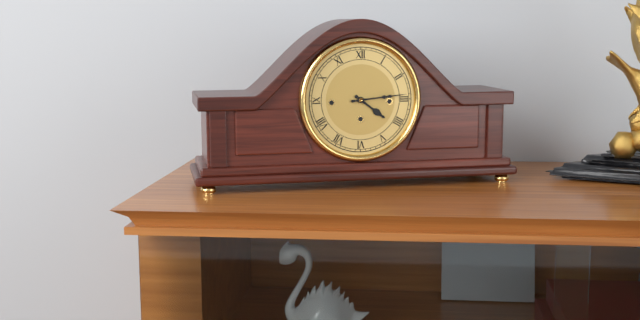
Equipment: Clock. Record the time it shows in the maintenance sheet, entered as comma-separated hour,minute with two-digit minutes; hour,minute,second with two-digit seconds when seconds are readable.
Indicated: 4,14
